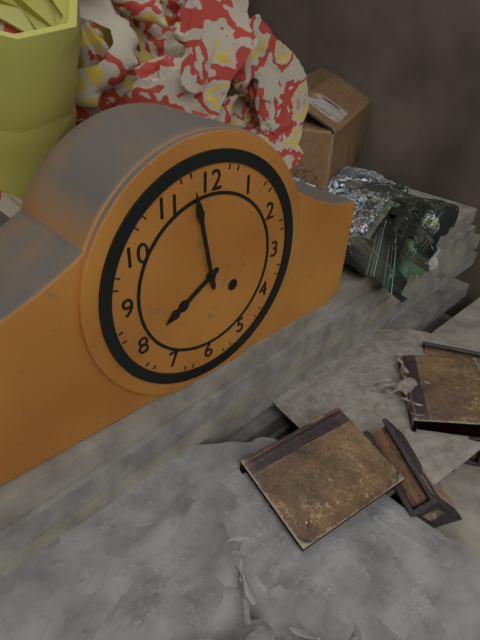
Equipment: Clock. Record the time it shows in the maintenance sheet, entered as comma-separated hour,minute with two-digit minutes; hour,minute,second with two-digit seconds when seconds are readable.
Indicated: 7,58
